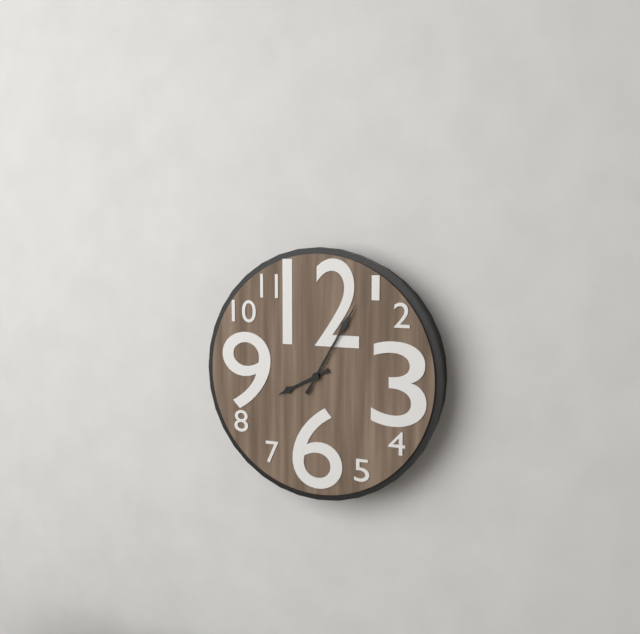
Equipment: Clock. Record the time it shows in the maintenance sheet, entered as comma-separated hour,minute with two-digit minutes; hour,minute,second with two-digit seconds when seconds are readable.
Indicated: 8,05
